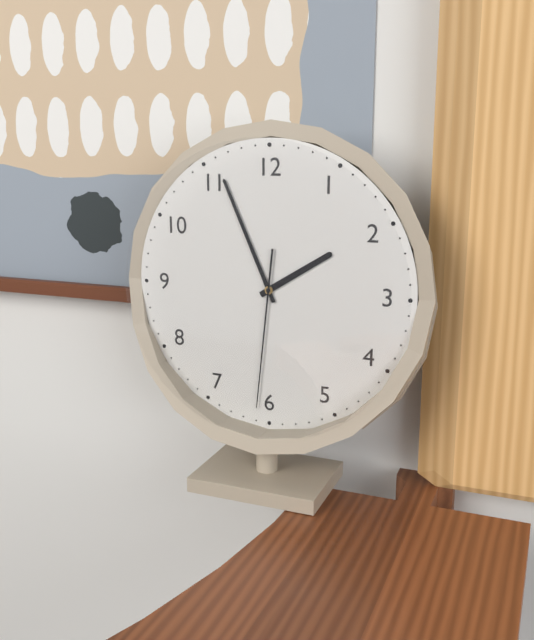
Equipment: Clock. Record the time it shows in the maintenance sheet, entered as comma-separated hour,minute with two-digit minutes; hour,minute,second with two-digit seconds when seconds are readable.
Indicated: 1,56,31
